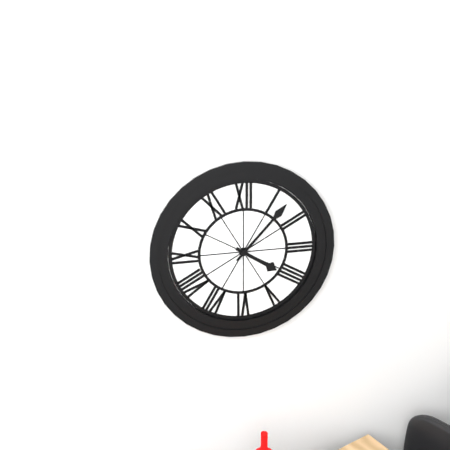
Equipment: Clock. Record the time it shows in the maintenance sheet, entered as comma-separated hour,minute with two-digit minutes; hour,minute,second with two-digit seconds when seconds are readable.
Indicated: 4,07
